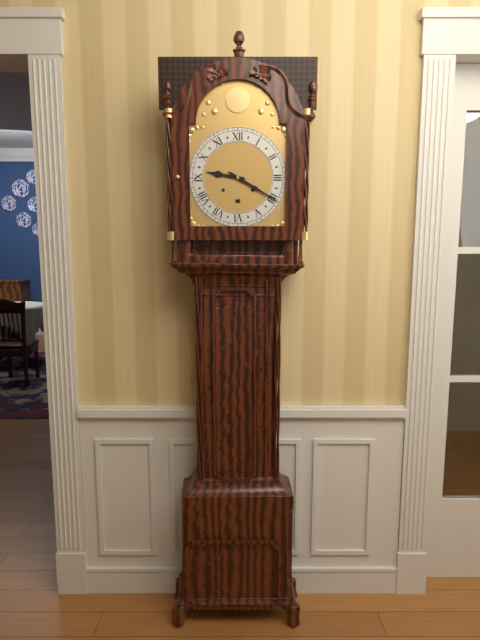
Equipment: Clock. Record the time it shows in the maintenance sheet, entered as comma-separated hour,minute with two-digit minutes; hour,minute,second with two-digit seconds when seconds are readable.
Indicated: 9,20
